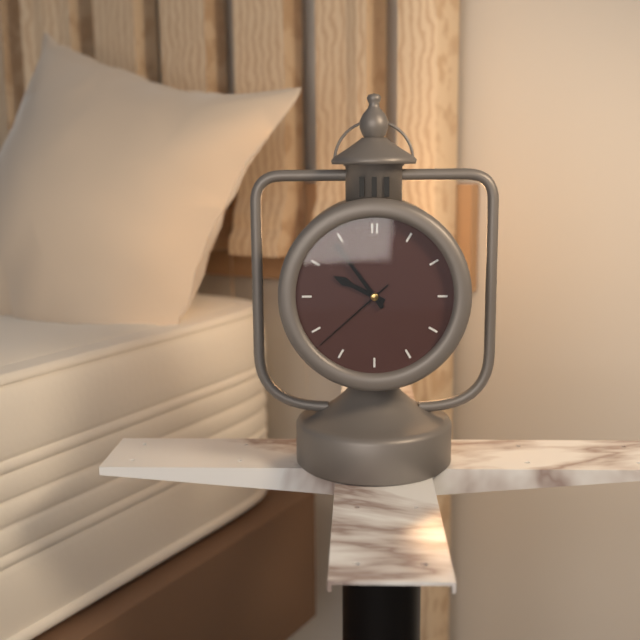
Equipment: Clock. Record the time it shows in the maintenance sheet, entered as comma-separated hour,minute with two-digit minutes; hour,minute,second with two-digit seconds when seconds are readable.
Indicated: 9,54,38
